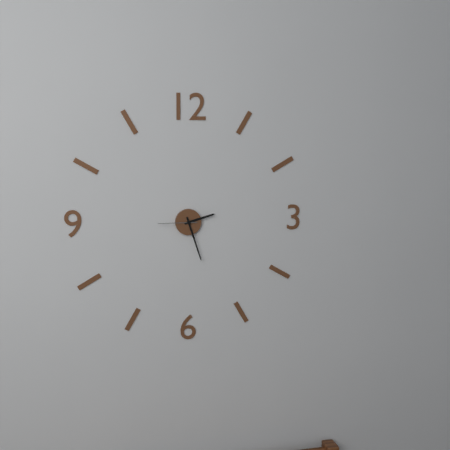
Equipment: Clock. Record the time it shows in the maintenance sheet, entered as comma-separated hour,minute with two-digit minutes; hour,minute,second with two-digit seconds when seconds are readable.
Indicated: 2,27
